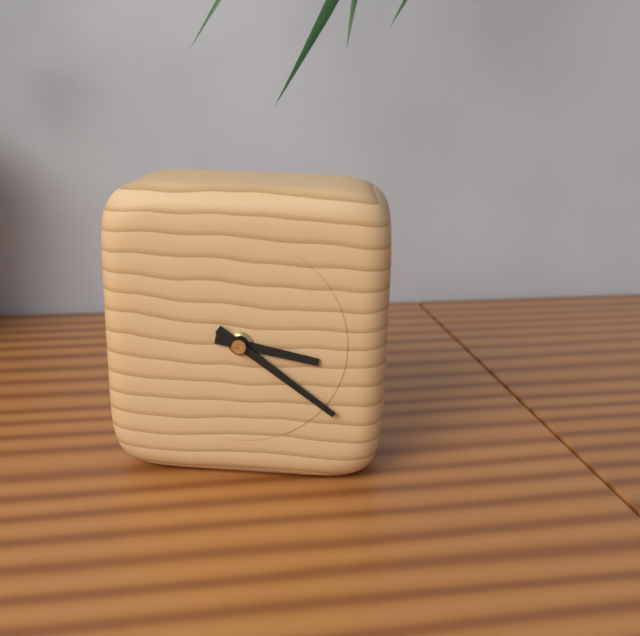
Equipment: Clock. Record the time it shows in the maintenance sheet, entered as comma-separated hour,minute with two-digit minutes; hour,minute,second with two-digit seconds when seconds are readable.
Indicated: 3,21
